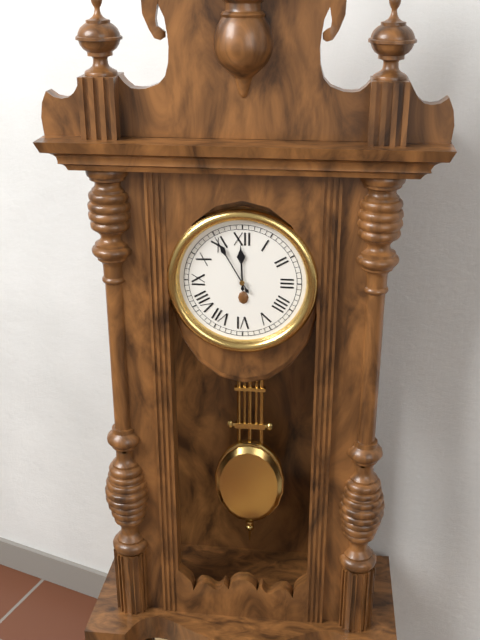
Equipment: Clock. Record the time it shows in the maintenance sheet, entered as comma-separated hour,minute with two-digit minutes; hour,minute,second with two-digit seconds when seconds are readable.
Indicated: 11,55
